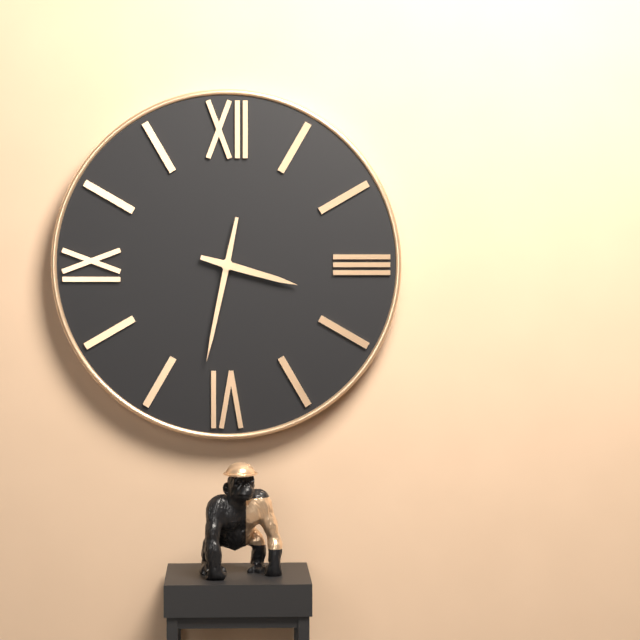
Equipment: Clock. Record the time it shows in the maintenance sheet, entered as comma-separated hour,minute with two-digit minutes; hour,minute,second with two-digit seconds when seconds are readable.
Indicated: 3,32
